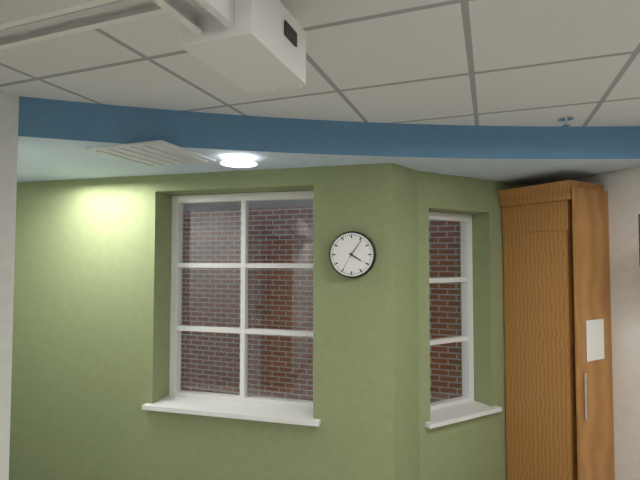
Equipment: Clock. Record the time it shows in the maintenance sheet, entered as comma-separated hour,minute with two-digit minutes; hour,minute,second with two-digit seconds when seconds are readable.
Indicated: 4,06
